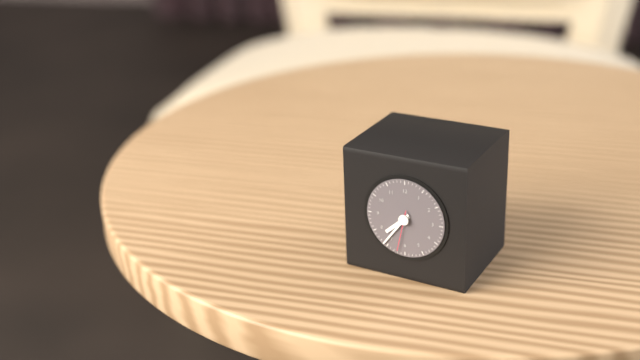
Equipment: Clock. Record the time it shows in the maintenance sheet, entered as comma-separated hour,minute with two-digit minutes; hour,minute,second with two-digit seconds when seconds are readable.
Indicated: 7,36
